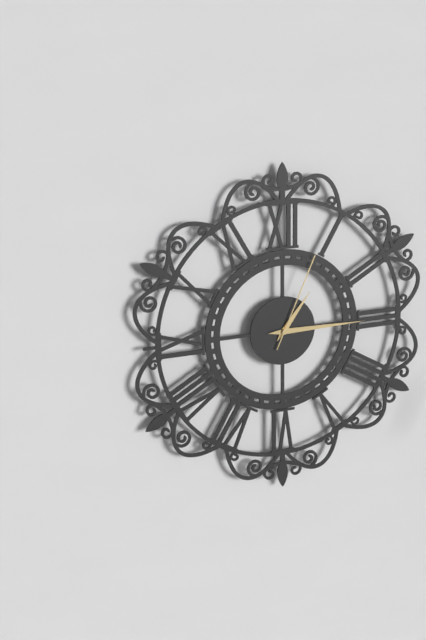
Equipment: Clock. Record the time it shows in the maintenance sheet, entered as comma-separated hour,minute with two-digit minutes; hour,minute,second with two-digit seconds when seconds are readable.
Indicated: 1,15,04
